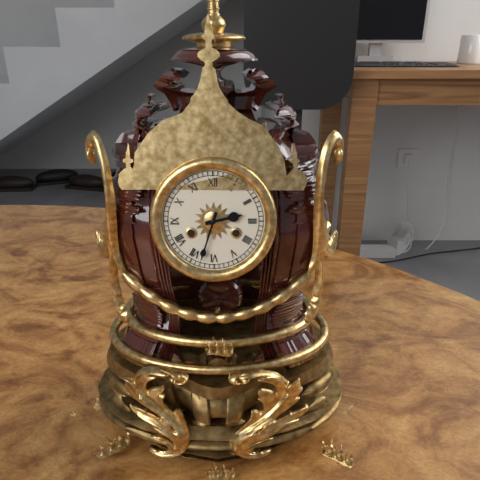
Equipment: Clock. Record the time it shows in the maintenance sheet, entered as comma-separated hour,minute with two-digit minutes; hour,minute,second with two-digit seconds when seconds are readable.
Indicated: 2,33
